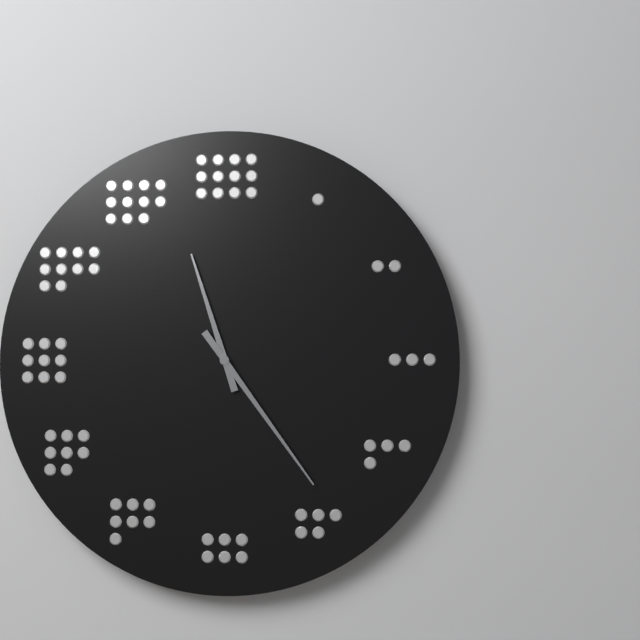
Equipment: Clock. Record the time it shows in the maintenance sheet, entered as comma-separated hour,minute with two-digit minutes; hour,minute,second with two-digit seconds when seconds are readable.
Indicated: 11,24
